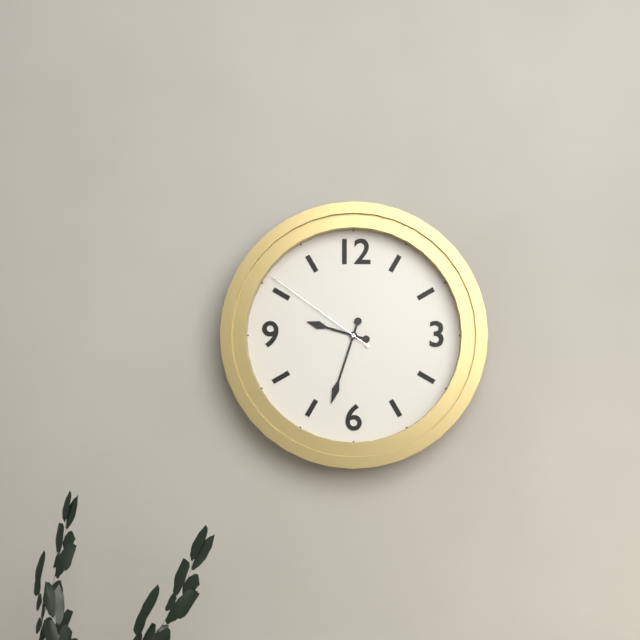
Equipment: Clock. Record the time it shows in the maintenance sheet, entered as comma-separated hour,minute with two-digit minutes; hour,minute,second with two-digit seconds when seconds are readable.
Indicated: 9,33,51
